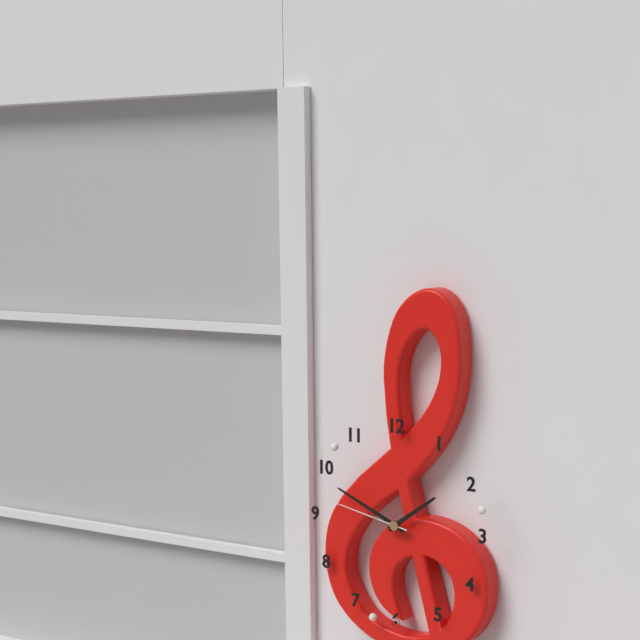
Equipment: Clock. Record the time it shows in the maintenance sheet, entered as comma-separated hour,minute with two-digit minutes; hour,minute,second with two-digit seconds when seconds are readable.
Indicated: 1,49,47
